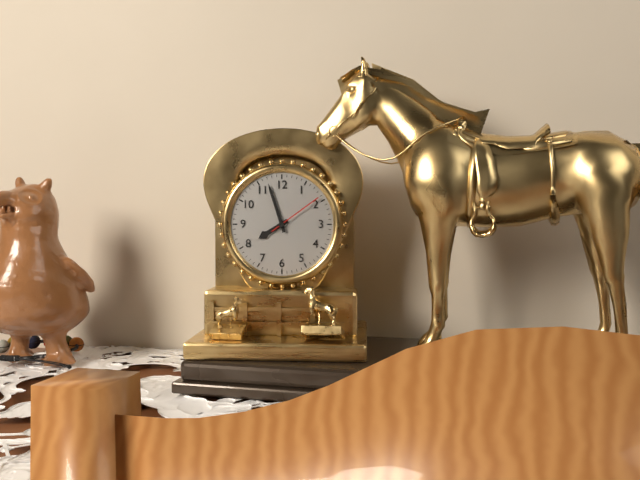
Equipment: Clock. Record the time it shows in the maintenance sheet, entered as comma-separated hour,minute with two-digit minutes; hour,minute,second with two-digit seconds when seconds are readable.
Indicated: 7,57,09
